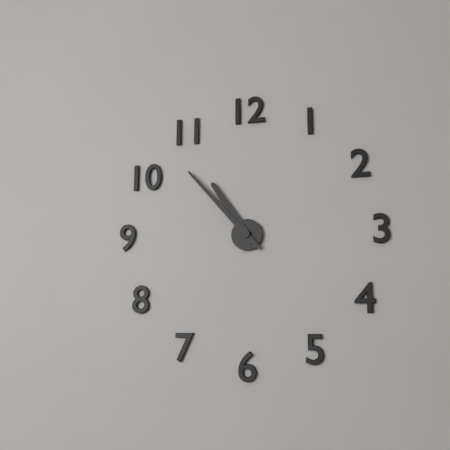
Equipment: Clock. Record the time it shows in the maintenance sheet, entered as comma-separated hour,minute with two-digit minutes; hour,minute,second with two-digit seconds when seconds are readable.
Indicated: 10,53
